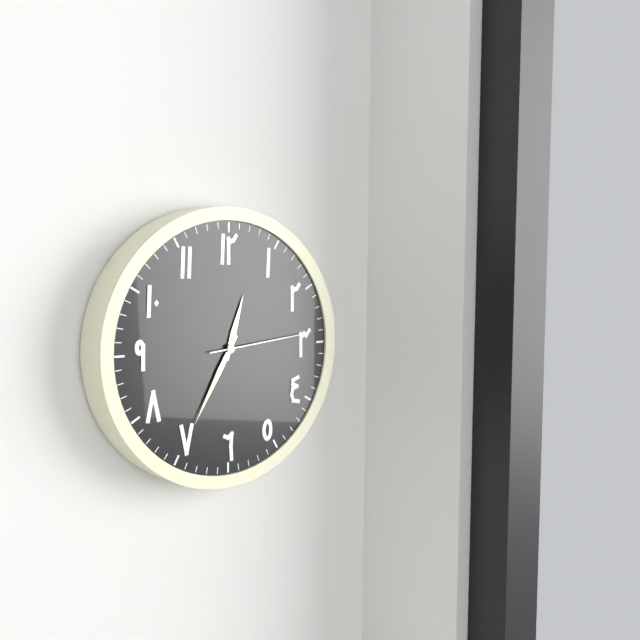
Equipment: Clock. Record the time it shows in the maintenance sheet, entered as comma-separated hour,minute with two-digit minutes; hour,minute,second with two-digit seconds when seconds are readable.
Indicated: 12,35,14
